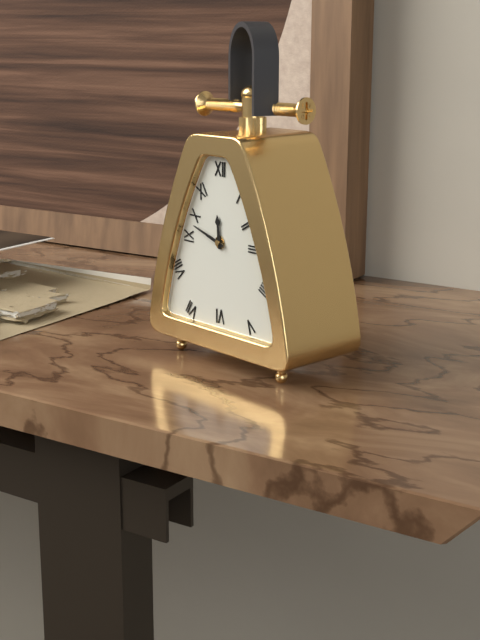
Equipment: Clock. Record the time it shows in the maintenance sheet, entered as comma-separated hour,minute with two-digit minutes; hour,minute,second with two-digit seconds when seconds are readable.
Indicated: 11,48
